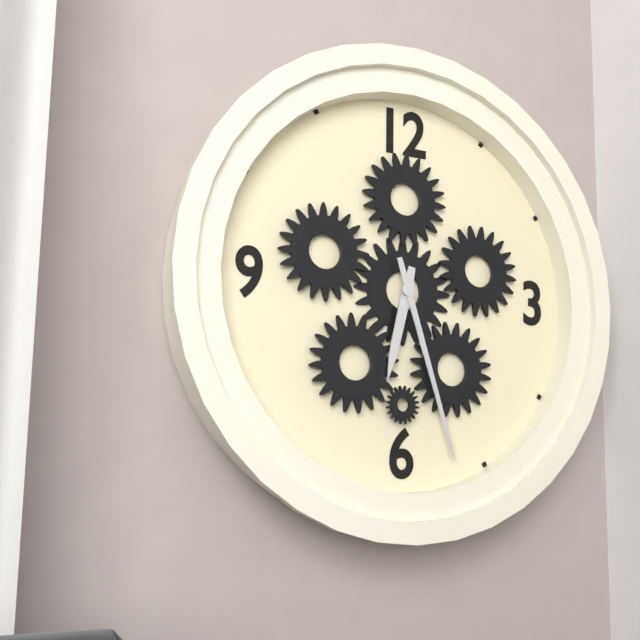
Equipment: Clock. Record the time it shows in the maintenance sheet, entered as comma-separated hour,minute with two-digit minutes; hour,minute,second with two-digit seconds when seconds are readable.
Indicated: 6,27
